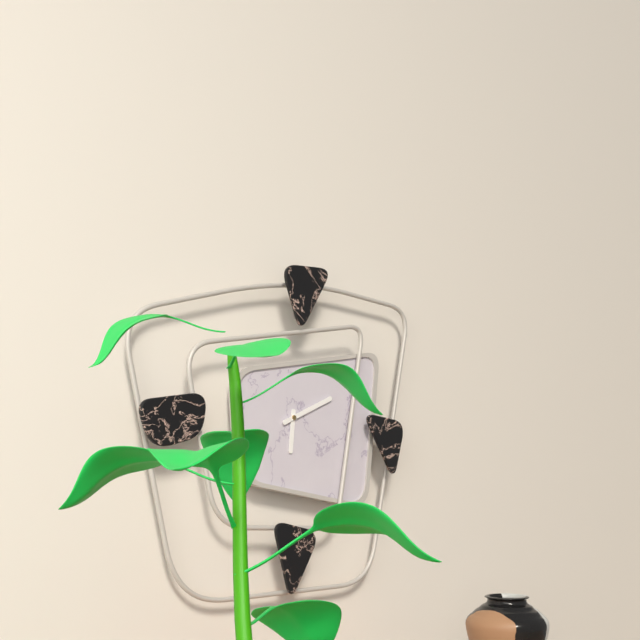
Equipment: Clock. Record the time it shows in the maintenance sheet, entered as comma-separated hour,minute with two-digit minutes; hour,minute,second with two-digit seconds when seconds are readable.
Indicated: 6,11
